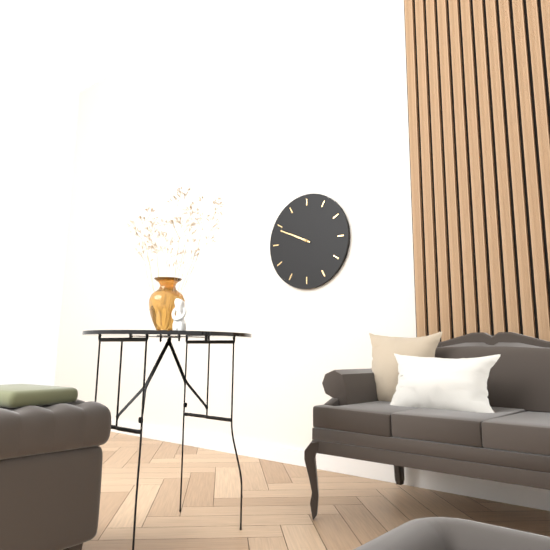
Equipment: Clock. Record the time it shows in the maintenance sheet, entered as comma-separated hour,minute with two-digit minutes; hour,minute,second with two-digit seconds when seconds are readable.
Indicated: 9,49
